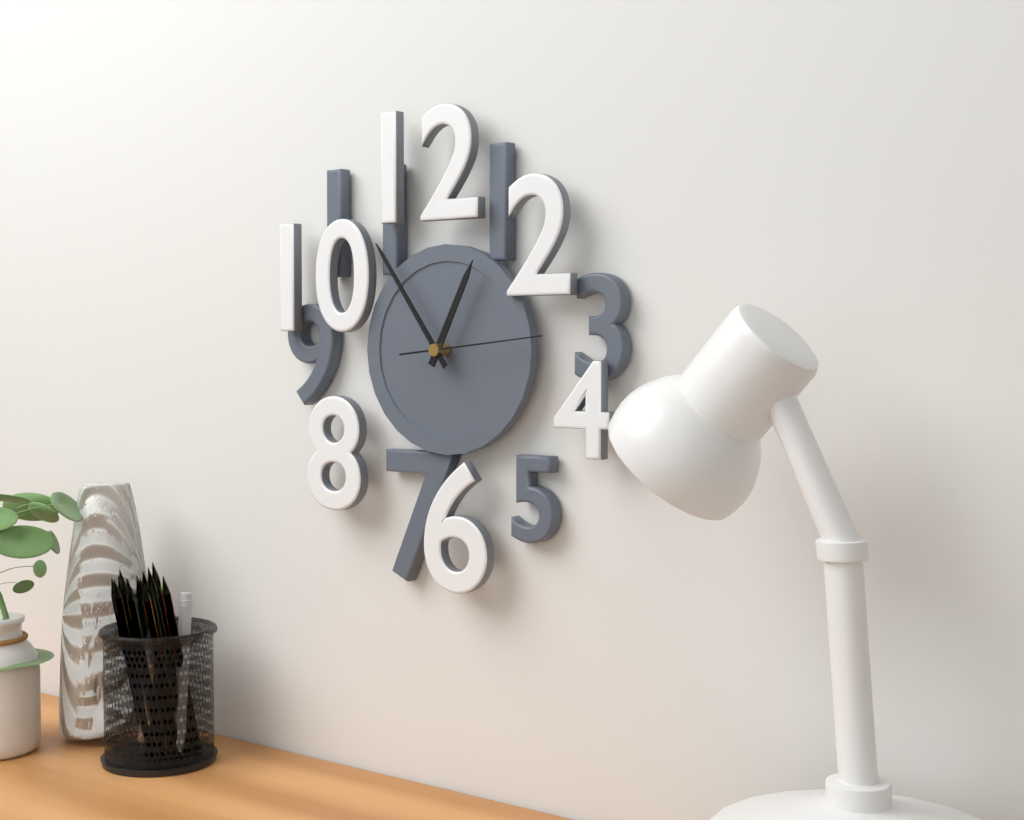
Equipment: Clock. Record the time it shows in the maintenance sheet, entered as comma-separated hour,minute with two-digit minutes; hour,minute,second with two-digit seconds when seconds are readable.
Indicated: 12,54,14
